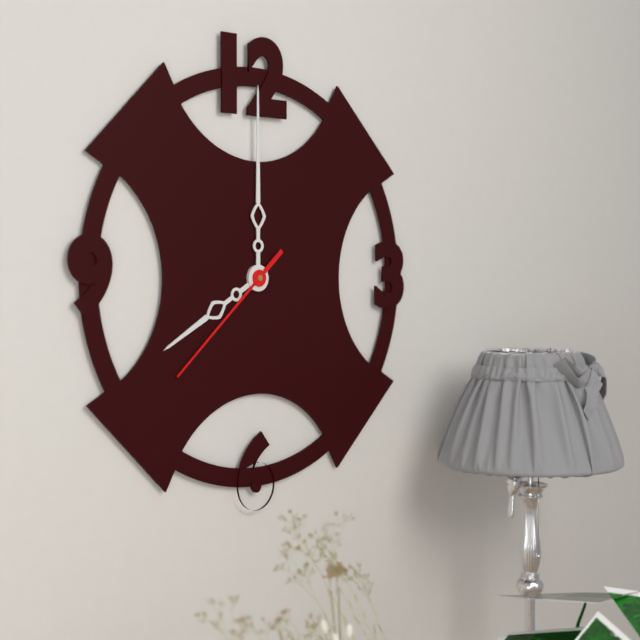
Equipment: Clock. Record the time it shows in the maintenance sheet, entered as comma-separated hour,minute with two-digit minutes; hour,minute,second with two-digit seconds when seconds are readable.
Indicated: 8,00,38
